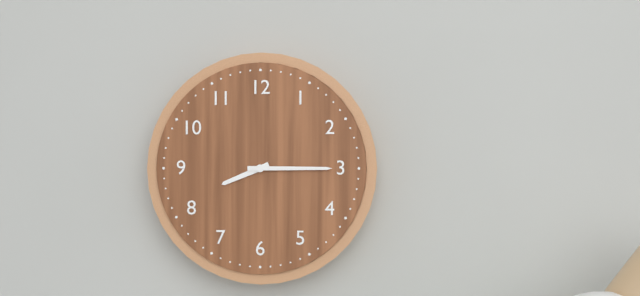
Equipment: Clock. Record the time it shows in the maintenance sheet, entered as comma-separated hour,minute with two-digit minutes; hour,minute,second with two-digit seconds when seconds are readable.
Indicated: 8,15
